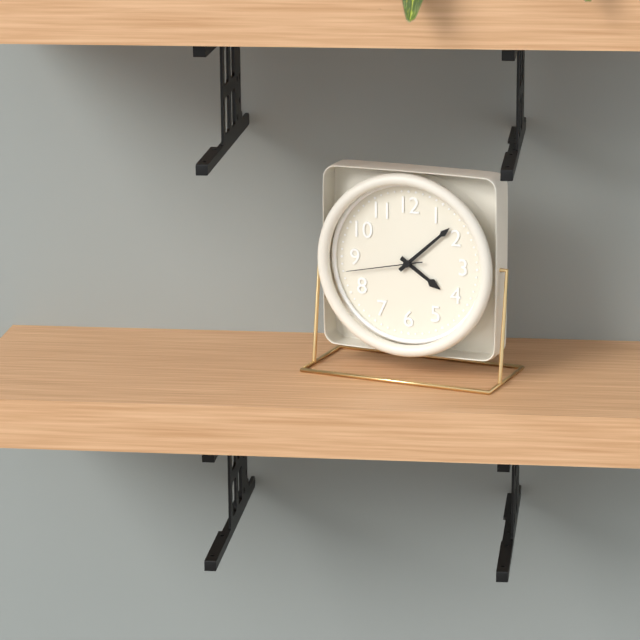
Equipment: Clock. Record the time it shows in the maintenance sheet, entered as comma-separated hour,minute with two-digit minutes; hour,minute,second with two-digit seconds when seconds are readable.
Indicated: 4,08,43
